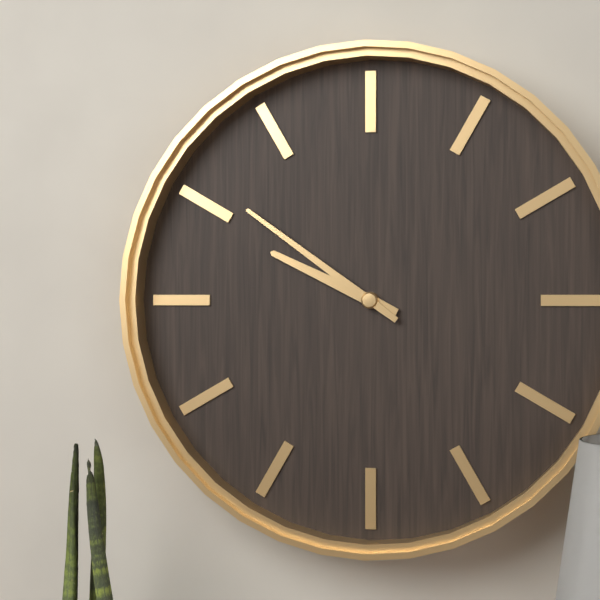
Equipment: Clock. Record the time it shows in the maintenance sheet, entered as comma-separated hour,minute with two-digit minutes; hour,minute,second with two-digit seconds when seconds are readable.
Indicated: 9,51
